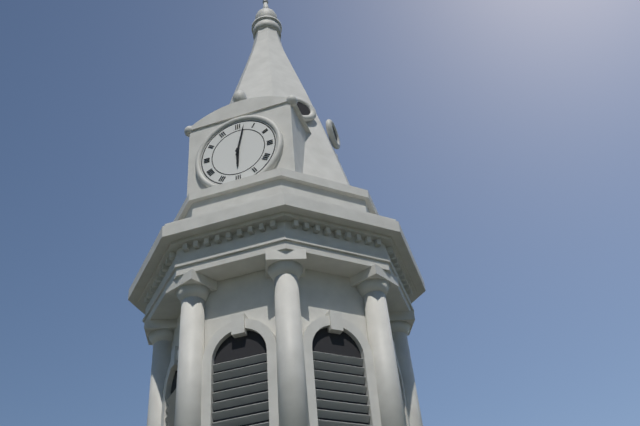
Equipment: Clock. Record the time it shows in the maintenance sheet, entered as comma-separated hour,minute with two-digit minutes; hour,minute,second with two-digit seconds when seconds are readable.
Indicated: 6,02
